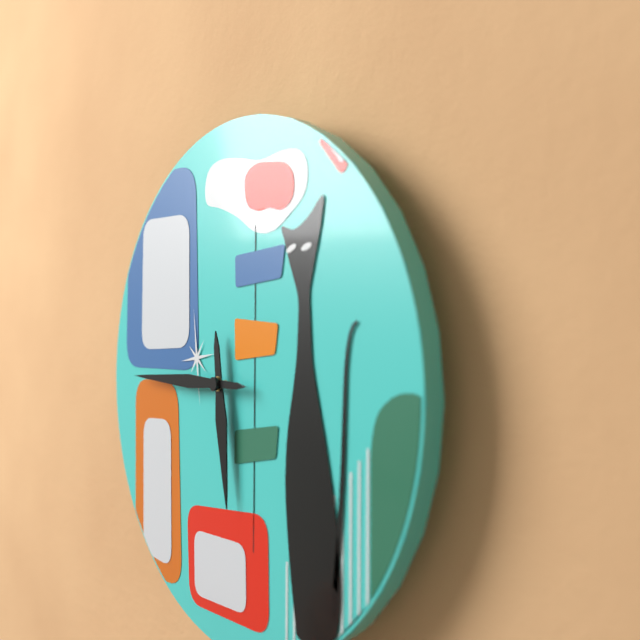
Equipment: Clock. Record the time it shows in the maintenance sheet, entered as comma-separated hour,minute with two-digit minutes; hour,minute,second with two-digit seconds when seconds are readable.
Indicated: 5,45
